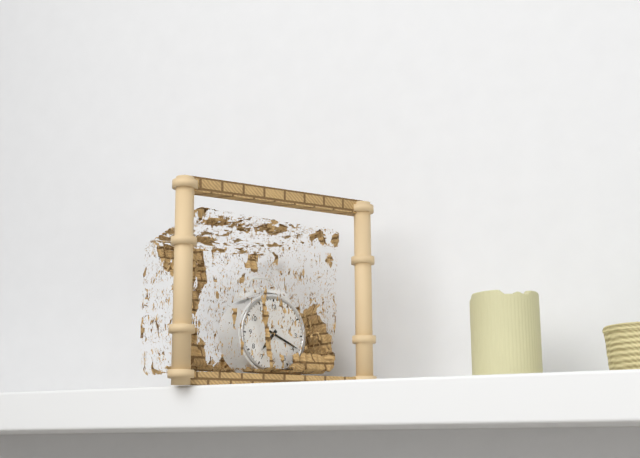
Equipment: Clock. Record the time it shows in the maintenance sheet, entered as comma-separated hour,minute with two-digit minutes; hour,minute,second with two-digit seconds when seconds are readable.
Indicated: 7,19
